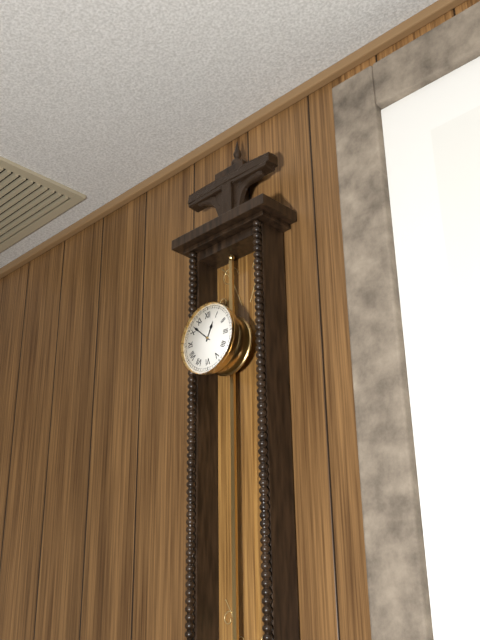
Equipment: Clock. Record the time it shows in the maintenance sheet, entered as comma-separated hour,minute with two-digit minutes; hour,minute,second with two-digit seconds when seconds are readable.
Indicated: 12,52
